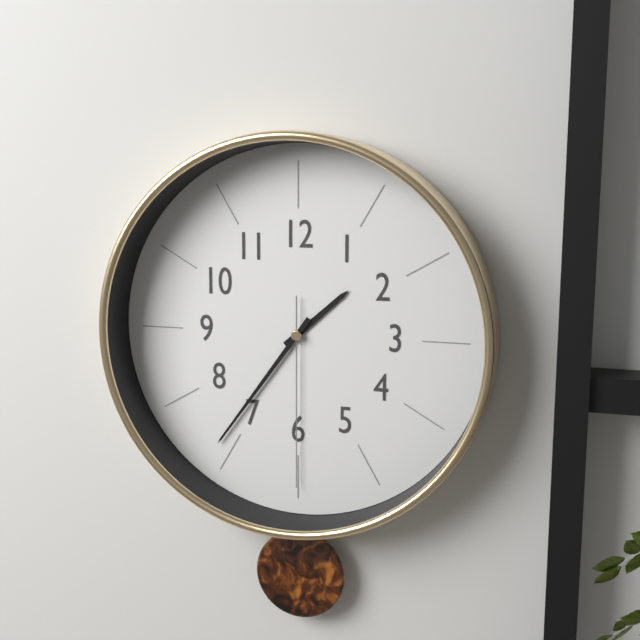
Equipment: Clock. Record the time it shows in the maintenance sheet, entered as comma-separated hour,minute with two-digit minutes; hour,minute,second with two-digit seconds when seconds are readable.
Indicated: 1,36,30
